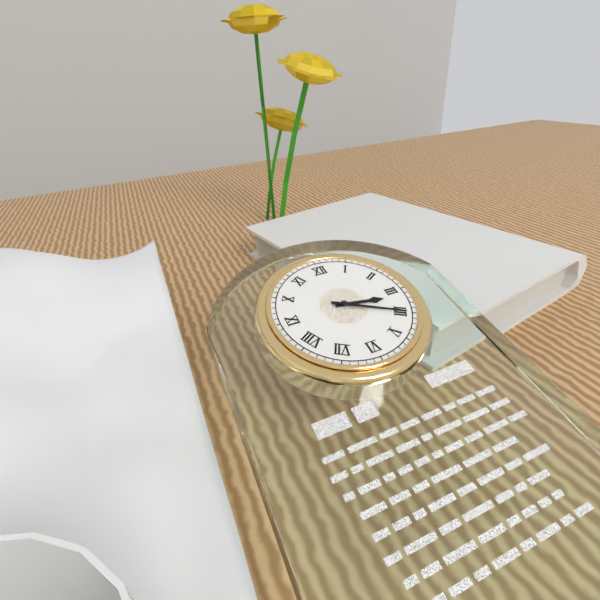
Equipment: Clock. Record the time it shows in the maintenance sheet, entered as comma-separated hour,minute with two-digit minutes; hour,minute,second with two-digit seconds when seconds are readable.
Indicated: 3,20
